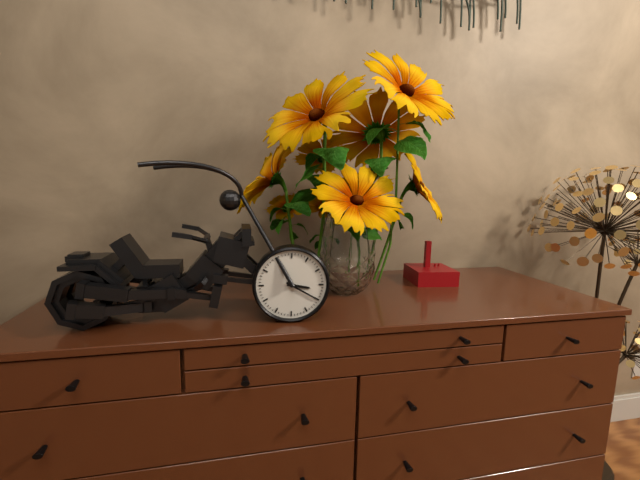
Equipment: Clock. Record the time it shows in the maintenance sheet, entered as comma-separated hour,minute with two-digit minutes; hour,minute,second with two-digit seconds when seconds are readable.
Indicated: 3,20
